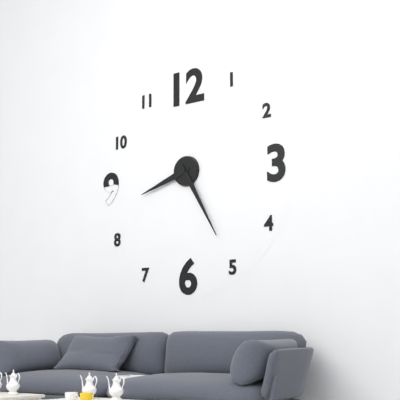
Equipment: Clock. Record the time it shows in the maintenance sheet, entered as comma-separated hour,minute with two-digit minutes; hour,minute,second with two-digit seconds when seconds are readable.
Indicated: 8,25
